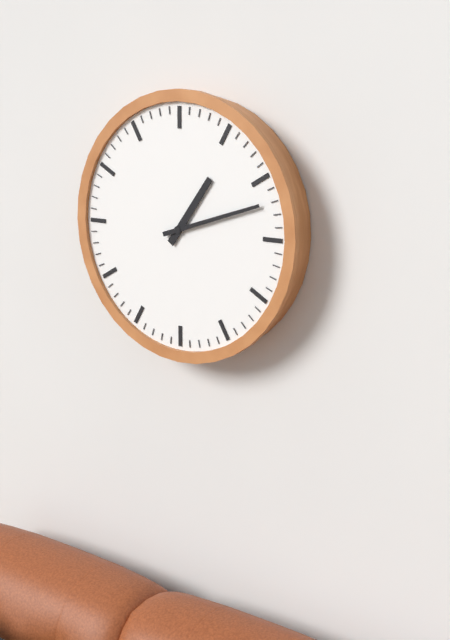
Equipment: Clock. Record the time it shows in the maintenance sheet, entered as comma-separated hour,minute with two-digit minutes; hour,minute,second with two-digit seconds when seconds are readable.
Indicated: 1,12
